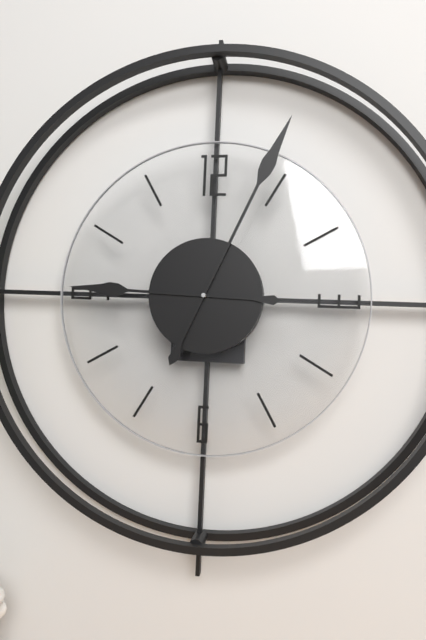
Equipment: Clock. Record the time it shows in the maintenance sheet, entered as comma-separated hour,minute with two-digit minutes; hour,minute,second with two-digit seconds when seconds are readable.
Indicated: 9,04
